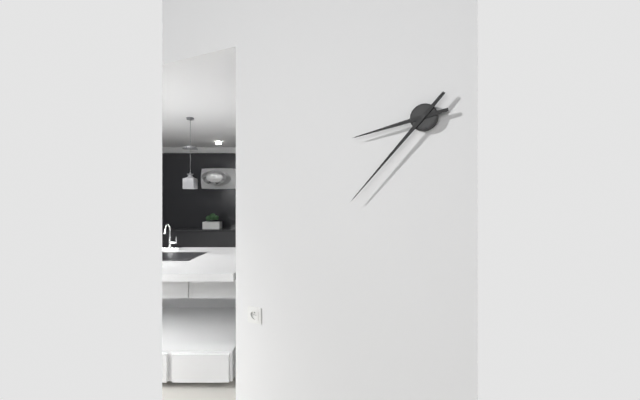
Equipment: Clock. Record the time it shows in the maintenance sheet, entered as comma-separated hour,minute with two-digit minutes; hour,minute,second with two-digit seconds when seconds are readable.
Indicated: 8,37
